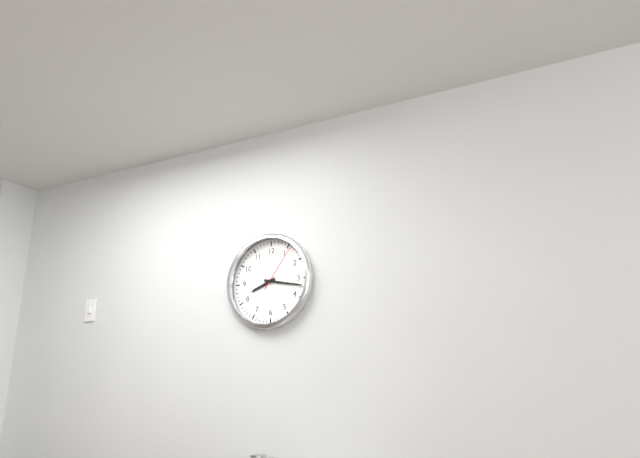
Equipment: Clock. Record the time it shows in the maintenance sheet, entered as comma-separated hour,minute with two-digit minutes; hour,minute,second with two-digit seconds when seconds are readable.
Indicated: 8,17
